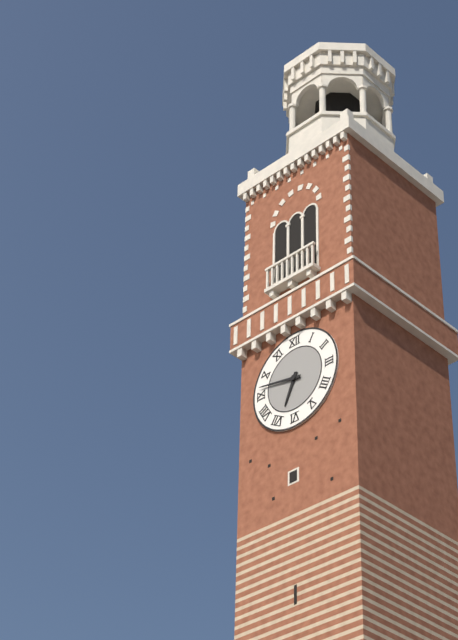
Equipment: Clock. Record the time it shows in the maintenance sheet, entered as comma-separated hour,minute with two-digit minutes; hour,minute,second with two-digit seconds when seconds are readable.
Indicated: 6,47
